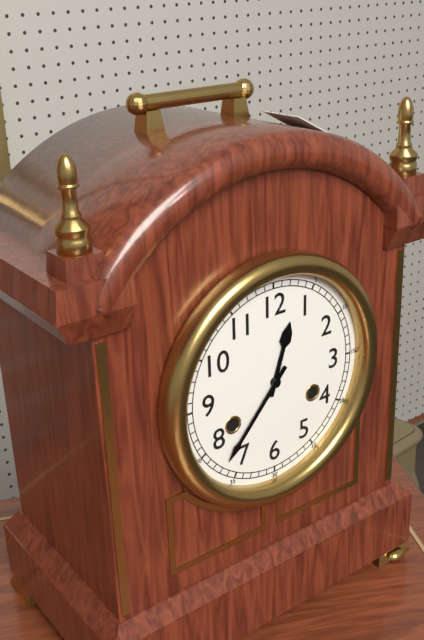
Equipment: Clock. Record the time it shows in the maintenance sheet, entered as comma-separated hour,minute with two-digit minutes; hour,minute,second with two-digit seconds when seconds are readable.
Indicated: 12,37
